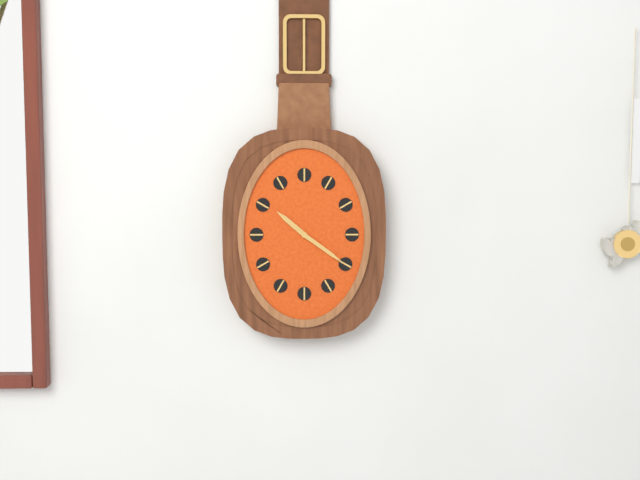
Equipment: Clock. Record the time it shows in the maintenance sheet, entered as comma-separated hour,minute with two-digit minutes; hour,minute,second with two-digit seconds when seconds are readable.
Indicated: 10,21
